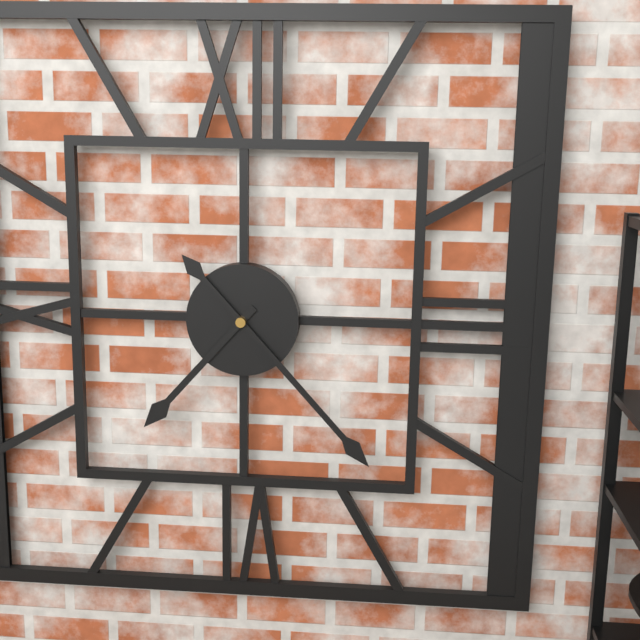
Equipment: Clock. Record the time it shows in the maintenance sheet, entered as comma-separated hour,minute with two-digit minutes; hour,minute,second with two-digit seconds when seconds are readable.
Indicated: 7,23
